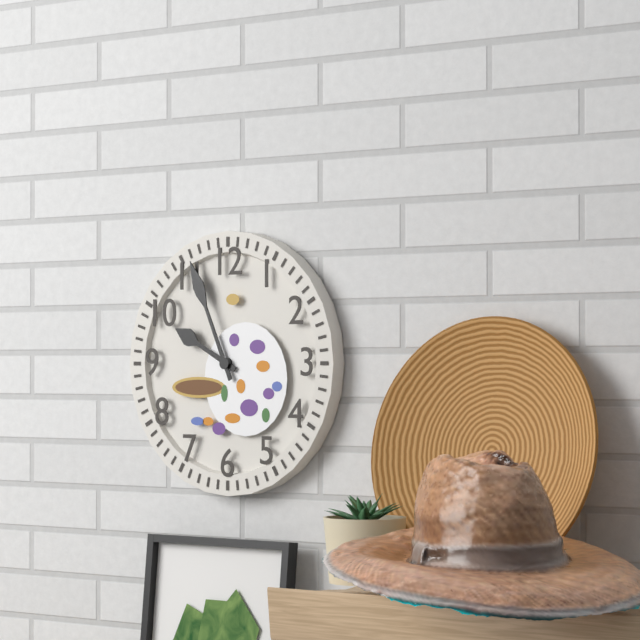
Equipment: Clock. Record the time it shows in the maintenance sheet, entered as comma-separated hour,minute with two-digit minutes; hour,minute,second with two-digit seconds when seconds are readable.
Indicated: 9,56
